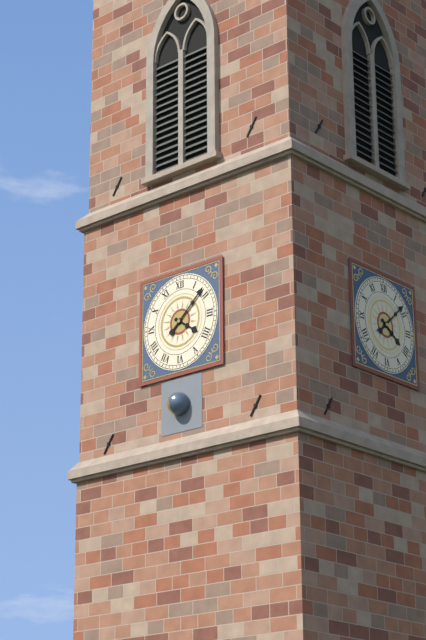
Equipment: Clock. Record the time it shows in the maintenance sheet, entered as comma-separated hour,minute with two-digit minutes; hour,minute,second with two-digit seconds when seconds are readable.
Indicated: 4,08
